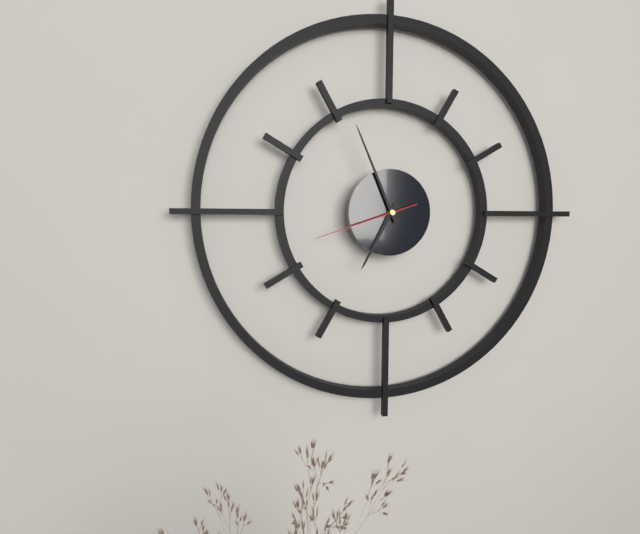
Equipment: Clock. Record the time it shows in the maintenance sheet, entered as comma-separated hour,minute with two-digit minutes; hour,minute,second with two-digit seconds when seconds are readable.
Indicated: 6,56,42
